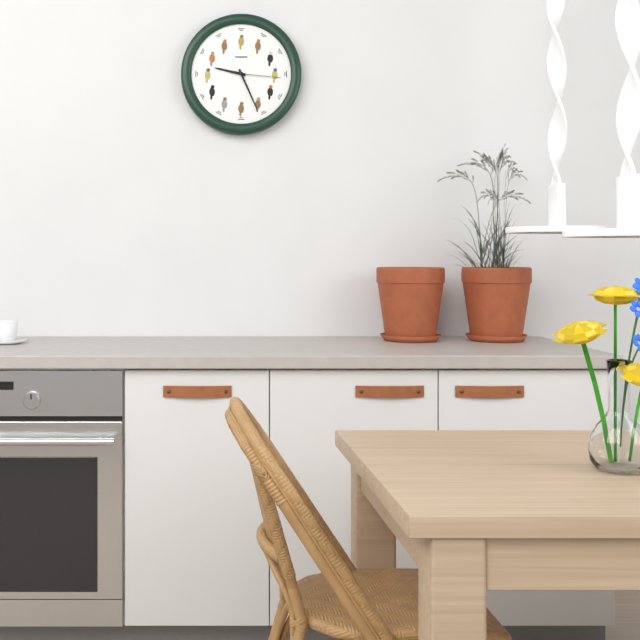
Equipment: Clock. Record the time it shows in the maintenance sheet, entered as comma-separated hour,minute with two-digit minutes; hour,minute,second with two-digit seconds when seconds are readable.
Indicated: 9,26,16
